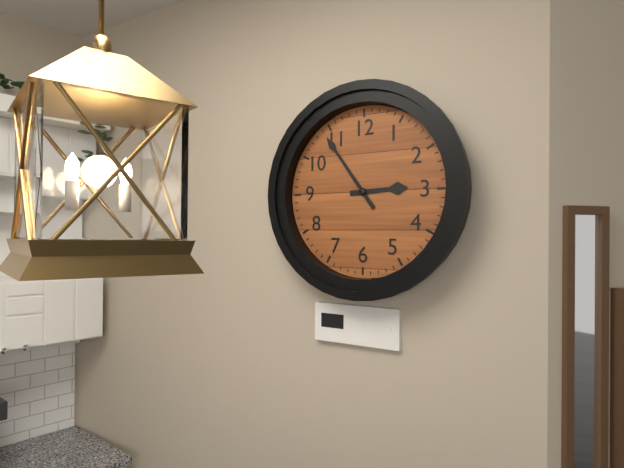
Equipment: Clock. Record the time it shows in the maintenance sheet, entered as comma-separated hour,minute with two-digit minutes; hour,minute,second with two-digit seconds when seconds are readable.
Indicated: 2,54
